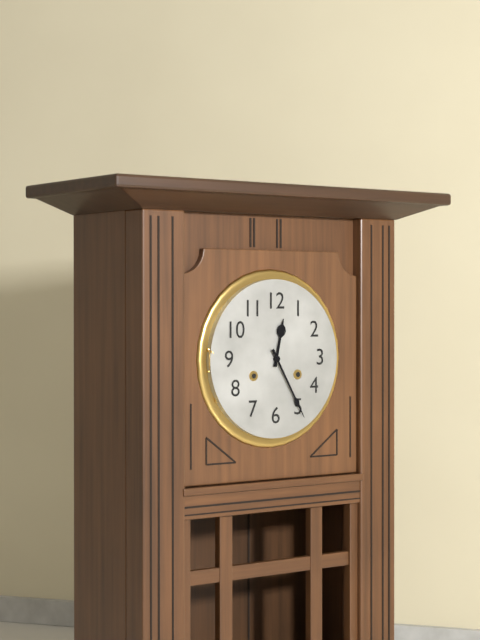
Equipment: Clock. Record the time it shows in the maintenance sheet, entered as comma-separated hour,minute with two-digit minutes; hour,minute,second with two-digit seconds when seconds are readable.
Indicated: 12,25
